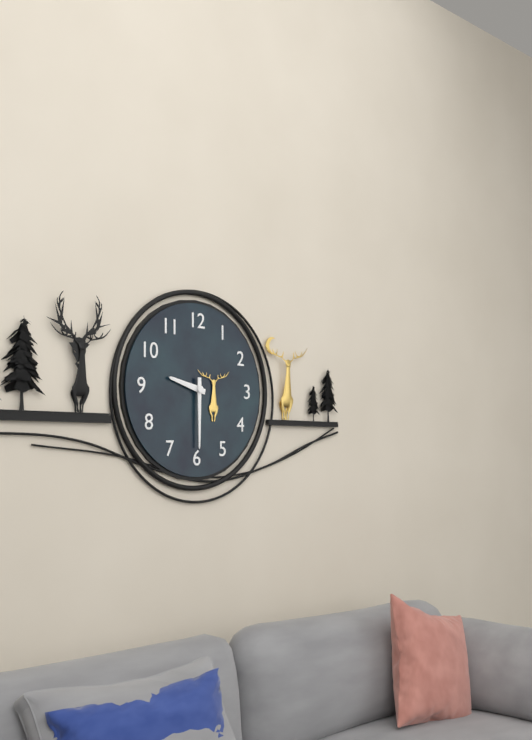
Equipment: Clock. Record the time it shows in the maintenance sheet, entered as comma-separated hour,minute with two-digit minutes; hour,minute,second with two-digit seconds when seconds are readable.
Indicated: 9,30
